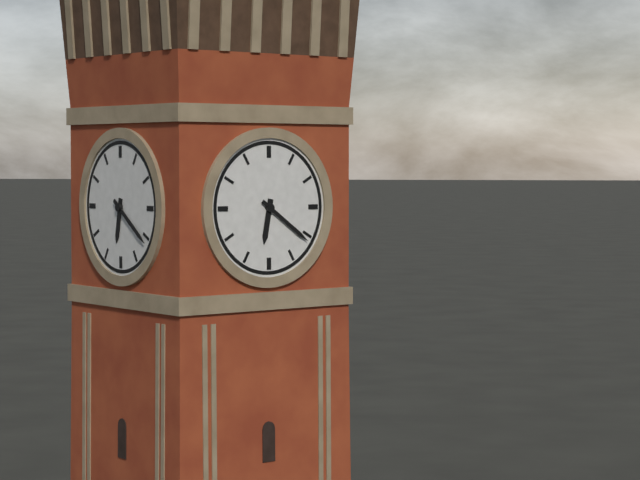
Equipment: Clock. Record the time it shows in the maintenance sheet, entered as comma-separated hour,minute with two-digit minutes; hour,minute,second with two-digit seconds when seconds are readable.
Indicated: 6,21
